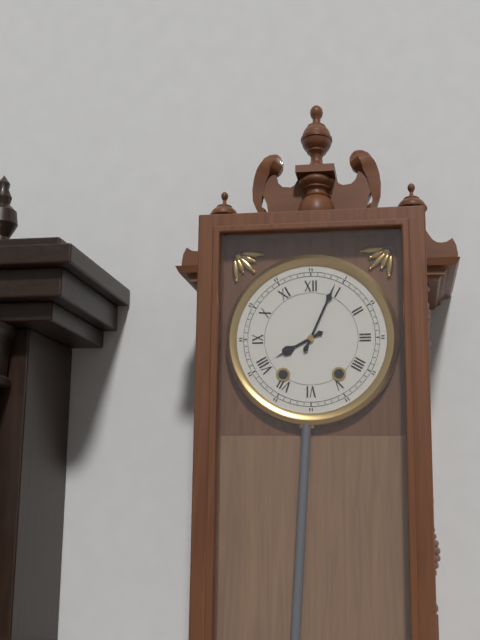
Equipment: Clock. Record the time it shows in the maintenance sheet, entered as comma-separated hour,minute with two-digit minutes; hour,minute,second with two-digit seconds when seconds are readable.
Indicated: 8,04
